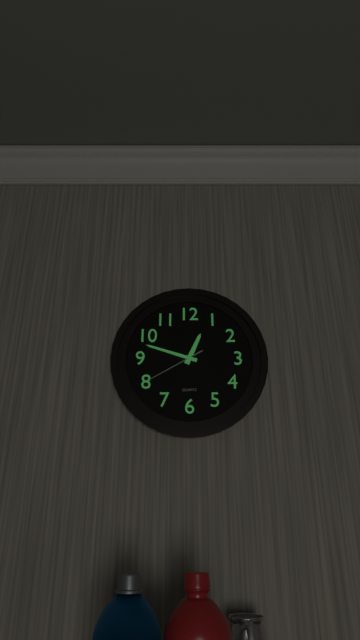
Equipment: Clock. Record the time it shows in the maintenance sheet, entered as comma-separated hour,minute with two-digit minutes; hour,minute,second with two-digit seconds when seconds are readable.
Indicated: 12,48,40
